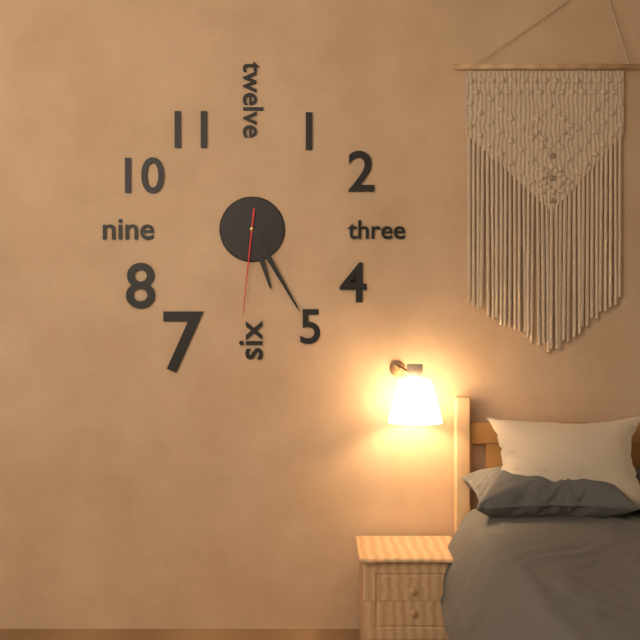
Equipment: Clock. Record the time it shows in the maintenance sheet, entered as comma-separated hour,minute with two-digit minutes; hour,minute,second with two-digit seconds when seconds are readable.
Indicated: 5,25,31
